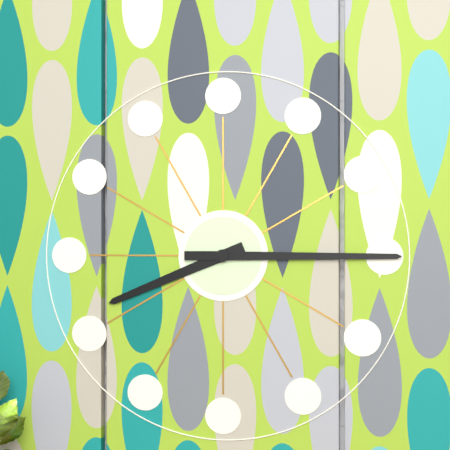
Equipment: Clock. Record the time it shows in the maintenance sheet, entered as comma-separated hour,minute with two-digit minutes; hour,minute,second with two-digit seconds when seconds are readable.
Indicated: 8,15
